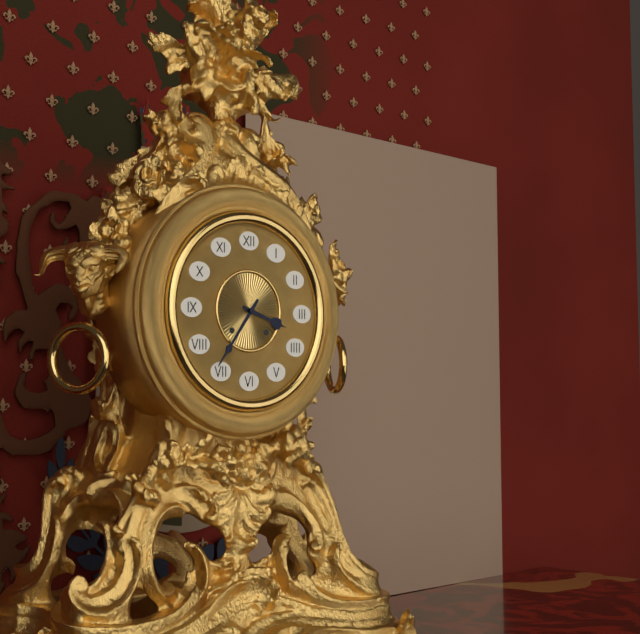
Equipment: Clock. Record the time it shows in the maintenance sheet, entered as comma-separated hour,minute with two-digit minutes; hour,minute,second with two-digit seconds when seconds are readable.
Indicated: 3,36
